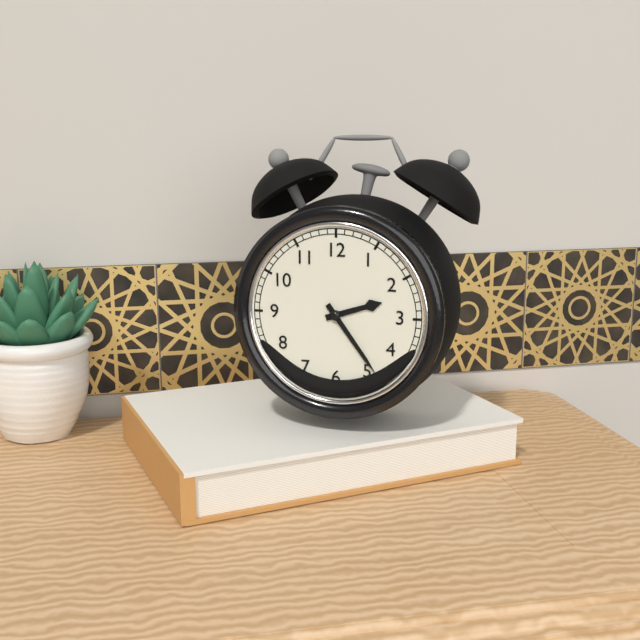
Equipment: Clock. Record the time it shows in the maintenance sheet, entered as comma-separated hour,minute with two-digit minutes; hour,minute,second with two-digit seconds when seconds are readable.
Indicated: 2,24
